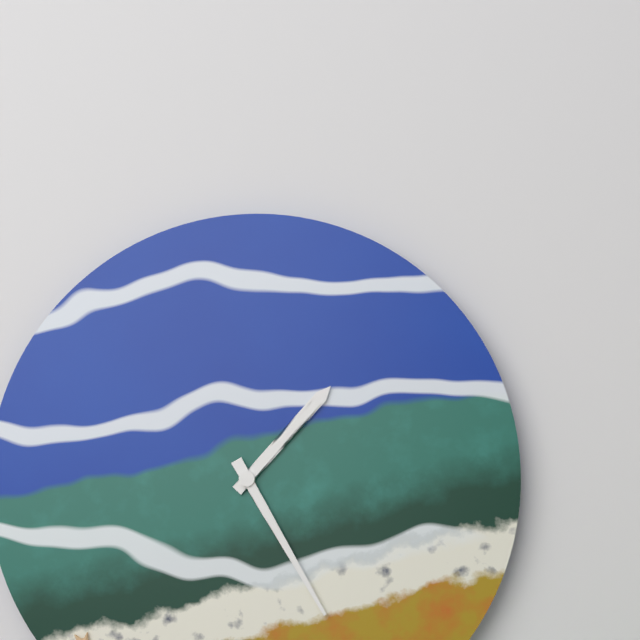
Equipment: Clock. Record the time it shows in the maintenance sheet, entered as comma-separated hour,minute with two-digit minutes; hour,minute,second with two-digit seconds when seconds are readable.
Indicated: 1,25
